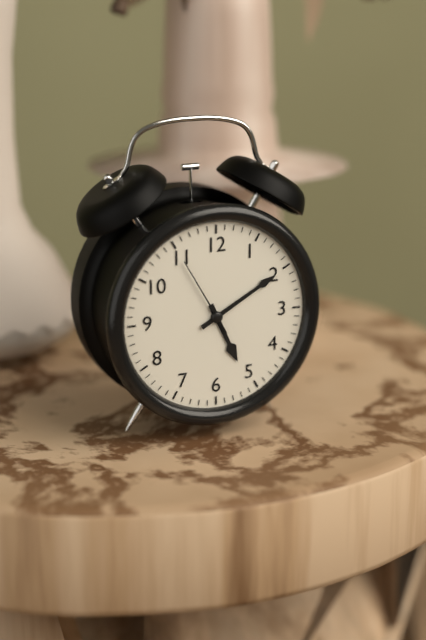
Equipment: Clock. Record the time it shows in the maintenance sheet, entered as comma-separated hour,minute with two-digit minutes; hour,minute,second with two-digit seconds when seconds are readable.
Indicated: 5,10,55
